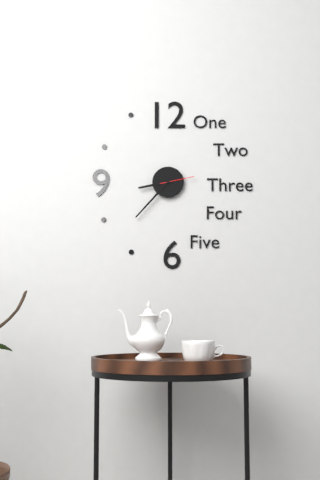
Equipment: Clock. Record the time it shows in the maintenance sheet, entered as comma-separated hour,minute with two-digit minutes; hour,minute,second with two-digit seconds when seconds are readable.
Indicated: 8,37
